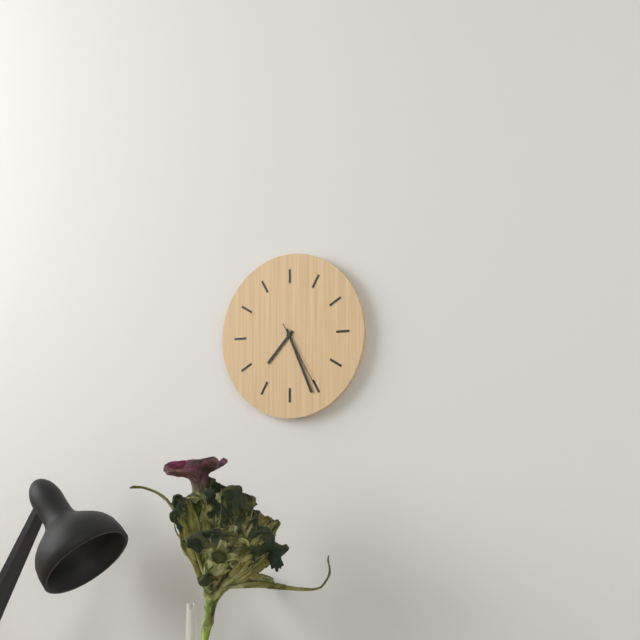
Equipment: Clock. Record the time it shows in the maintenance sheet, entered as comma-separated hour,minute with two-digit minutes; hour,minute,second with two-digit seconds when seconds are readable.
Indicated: 7,26,25
